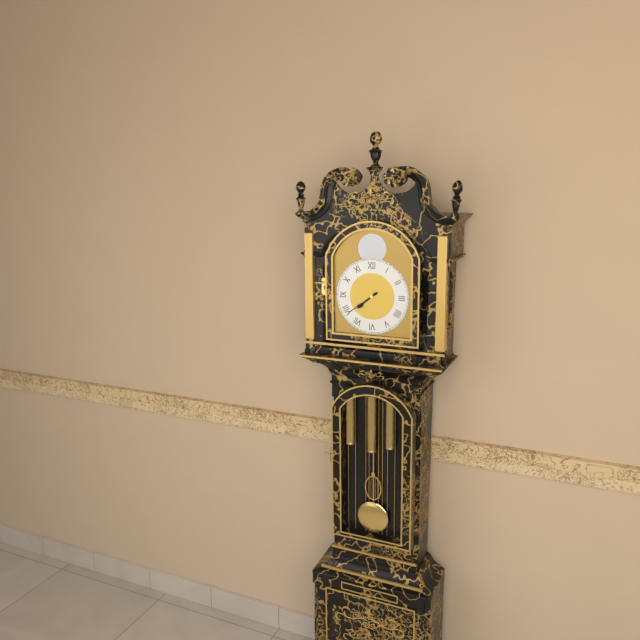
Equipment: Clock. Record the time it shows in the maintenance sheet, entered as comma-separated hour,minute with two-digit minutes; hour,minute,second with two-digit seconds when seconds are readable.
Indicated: 7,39
